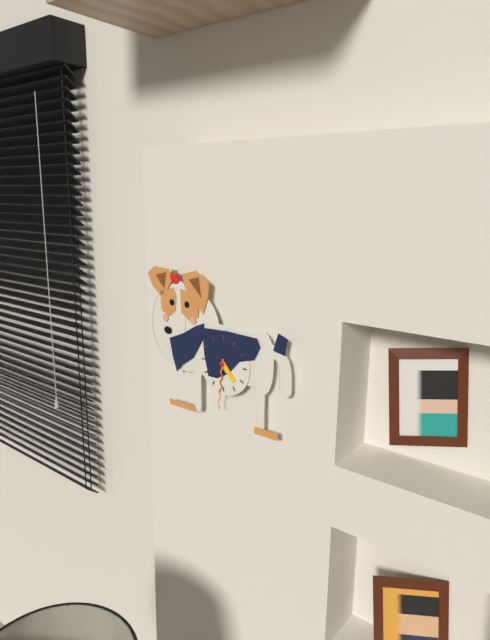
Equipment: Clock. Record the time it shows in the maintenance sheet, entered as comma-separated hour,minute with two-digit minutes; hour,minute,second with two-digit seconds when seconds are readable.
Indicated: 4,31
